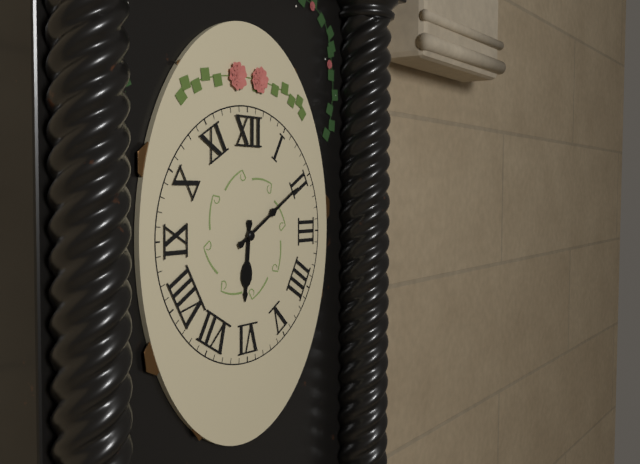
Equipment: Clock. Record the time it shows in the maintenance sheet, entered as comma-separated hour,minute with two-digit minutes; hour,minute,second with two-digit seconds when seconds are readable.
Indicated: 6,10
